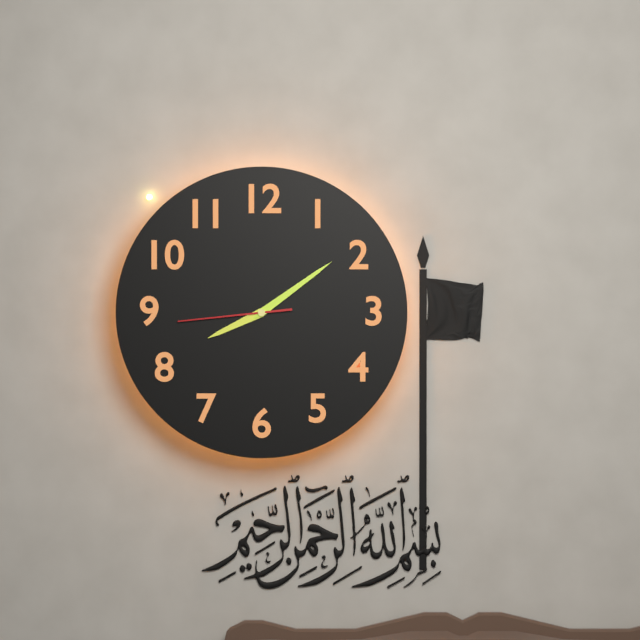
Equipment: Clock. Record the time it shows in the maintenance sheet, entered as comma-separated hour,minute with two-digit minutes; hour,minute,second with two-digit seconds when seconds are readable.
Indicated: 8,09,44
